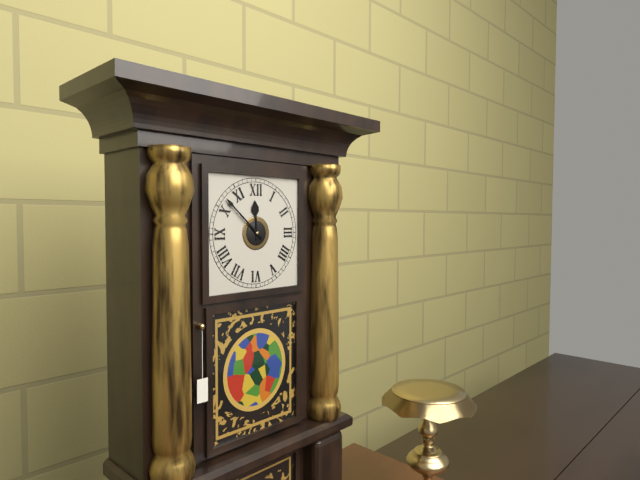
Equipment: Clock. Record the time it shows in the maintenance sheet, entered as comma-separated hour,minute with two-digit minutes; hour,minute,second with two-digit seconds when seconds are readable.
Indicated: 11,52
